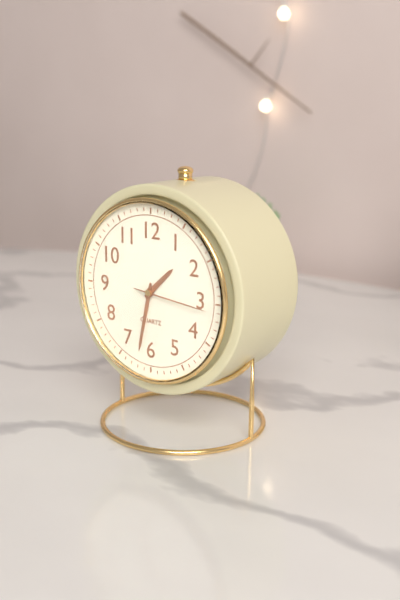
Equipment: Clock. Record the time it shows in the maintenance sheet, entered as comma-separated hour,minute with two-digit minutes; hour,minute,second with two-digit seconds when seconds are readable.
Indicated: 1,32,16
